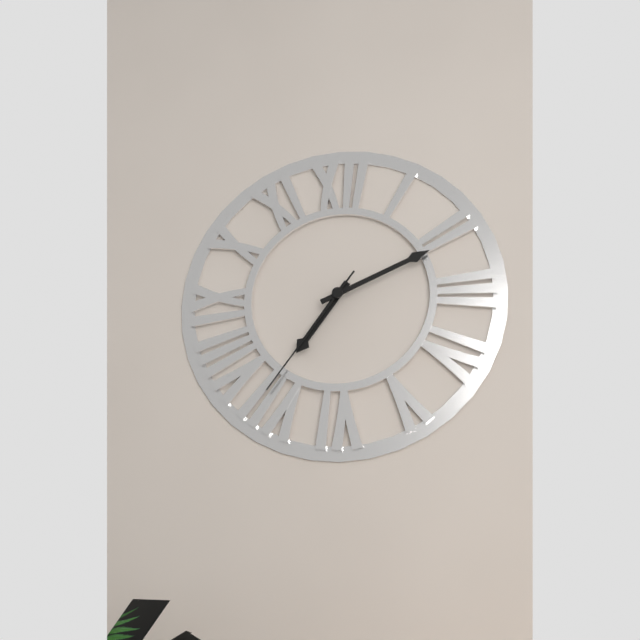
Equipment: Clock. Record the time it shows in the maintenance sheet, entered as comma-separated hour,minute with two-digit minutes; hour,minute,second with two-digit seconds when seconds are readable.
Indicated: 7,11,36
